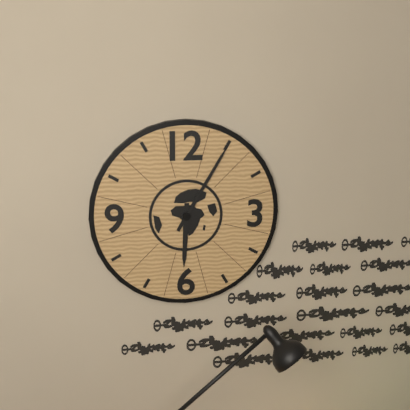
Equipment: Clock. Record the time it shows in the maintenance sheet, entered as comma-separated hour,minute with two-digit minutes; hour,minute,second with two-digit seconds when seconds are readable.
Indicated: 6,05
